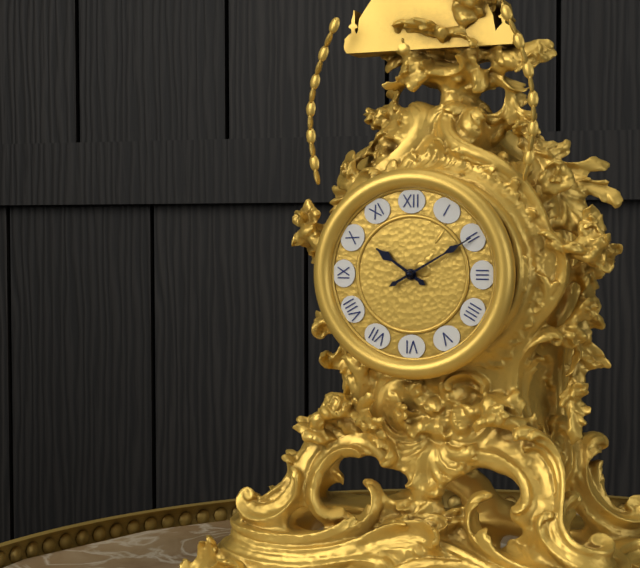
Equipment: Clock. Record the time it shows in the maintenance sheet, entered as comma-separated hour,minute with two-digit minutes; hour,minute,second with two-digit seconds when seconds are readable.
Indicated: 10,10
